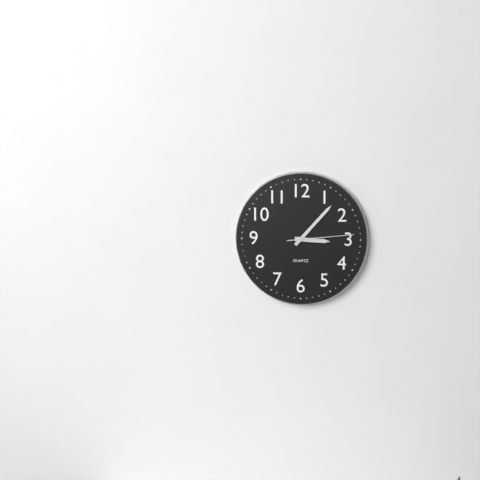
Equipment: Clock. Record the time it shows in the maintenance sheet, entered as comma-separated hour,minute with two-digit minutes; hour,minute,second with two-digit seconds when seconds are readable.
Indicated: 3,07,14
